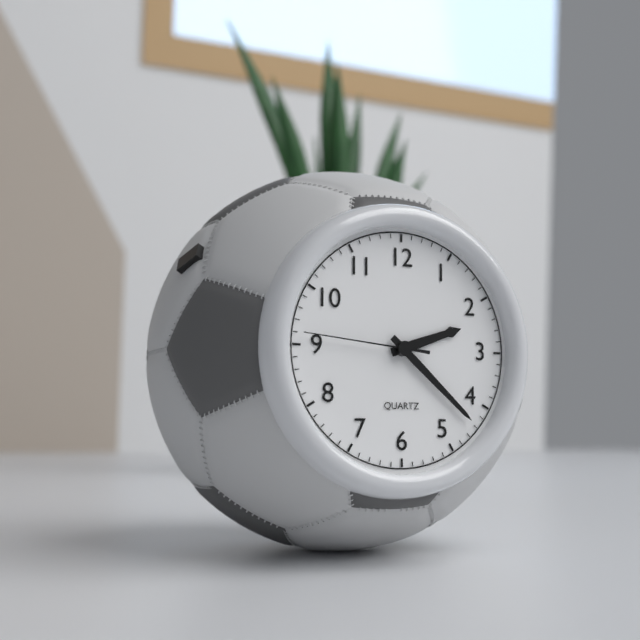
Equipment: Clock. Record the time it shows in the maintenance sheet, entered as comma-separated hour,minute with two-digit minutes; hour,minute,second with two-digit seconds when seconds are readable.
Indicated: 2,22,46
